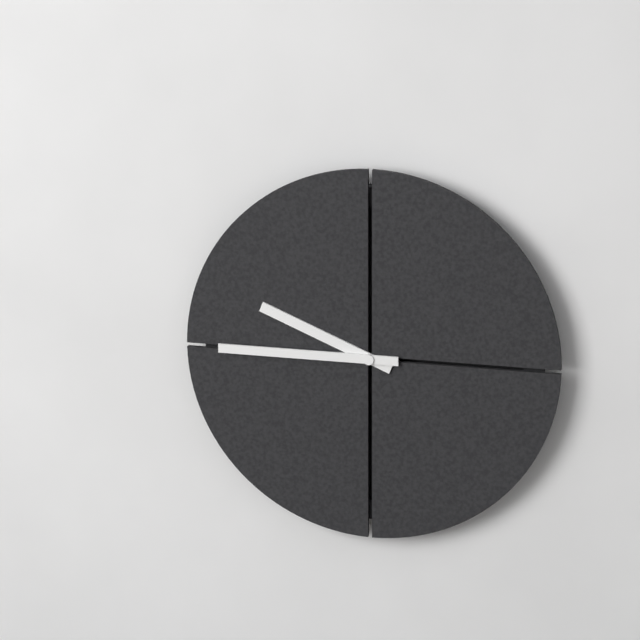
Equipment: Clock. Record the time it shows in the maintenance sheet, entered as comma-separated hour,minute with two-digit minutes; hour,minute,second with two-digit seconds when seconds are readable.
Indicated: 9,45
